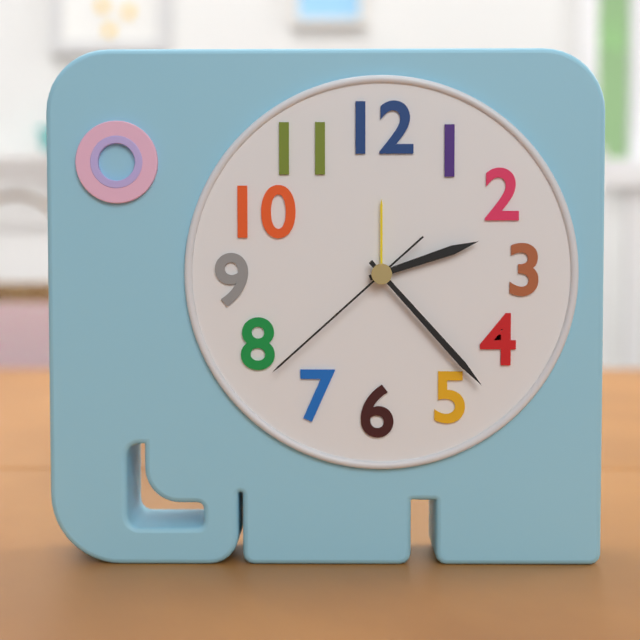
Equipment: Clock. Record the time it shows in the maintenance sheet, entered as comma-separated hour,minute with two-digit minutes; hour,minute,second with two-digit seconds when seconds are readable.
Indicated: 2,23,38
